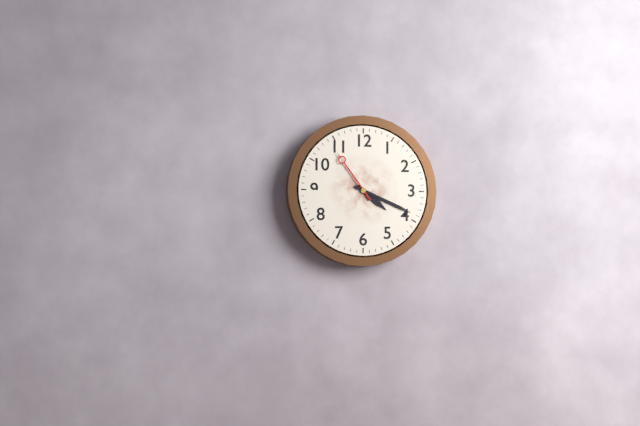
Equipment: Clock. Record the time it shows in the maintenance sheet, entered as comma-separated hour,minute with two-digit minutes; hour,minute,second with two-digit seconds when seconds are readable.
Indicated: 4,19,54
